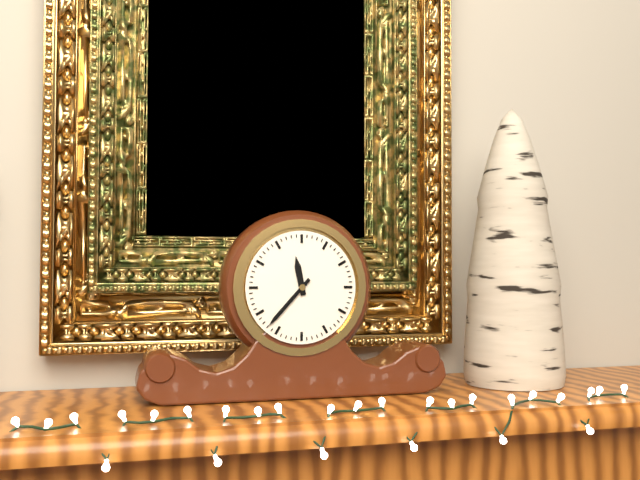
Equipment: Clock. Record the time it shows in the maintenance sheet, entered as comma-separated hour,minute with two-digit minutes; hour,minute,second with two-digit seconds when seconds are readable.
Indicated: 11,37
